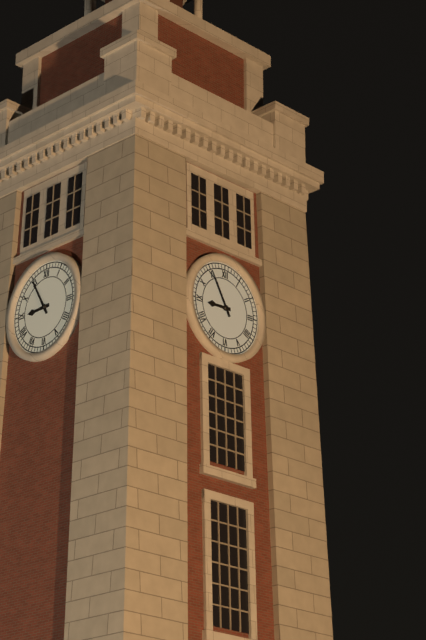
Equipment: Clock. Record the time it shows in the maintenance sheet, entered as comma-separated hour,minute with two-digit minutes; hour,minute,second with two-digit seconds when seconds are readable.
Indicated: 8,55
